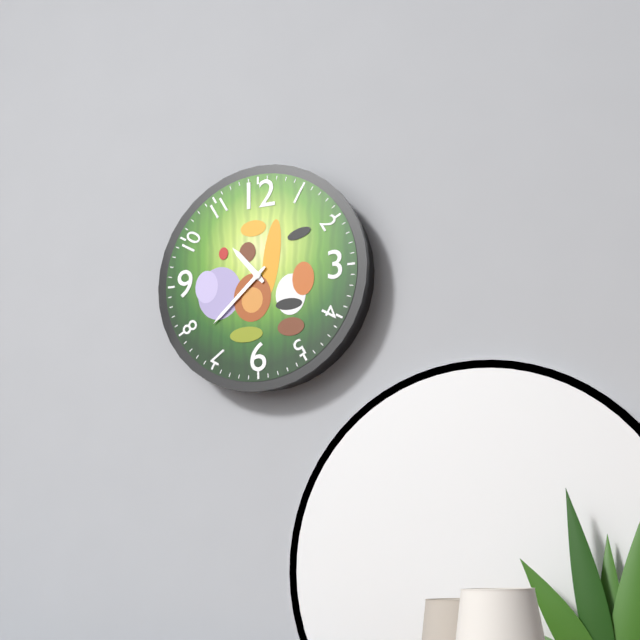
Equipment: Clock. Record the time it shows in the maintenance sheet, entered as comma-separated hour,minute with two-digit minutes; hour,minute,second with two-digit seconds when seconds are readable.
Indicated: 10,38
